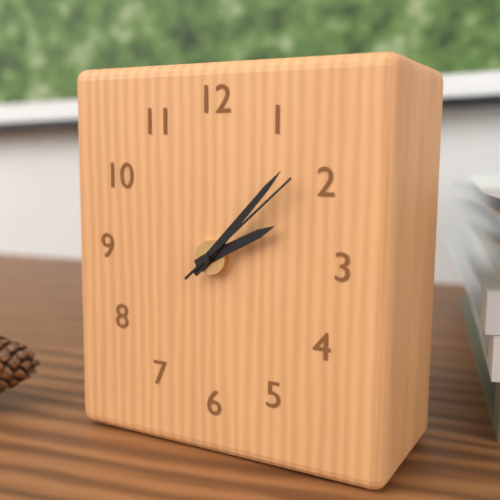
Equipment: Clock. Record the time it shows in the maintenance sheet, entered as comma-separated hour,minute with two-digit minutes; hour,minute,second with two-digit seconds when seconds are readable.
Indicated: 2,07,08
